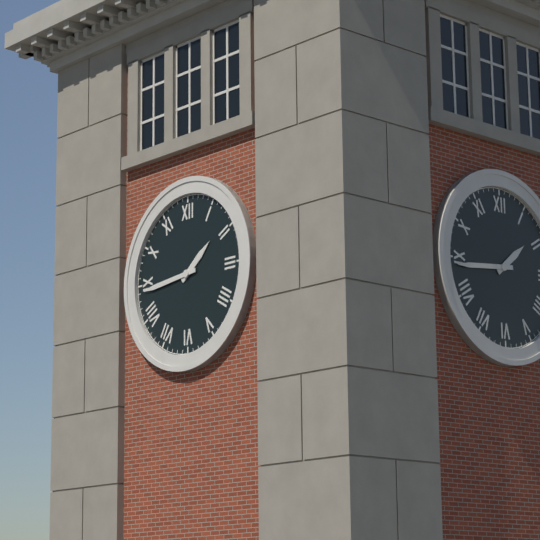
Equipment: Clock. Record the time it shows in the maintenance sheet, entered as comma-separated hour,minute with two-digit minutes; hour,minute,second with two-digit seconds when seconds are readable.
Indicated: 1,44
